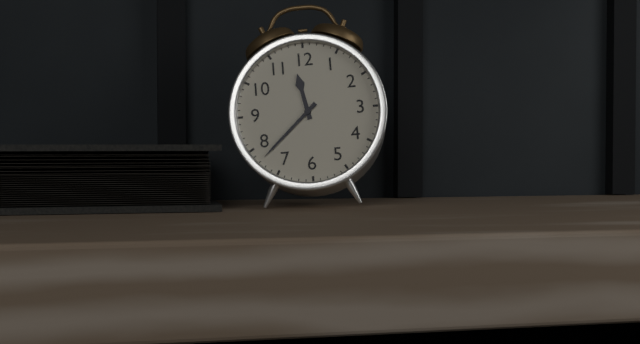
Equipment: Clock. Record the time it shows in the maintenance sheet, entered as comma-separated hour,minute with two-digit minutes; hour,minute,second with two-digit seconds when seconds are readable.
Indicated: 11,38
